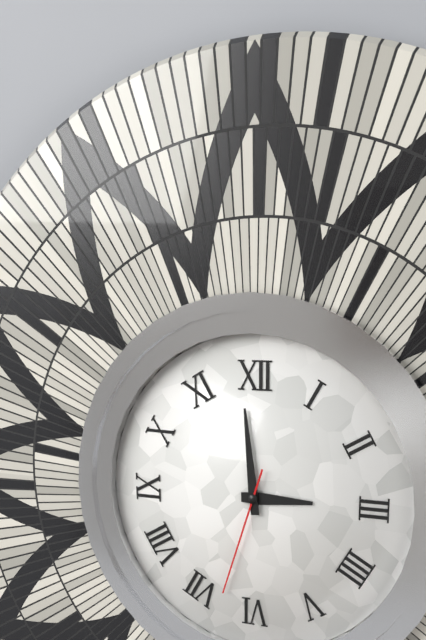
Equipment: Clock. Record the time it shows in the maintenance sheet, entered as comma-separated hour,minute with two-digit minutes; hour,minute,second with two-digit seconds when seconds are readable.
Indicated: 2,59,33
